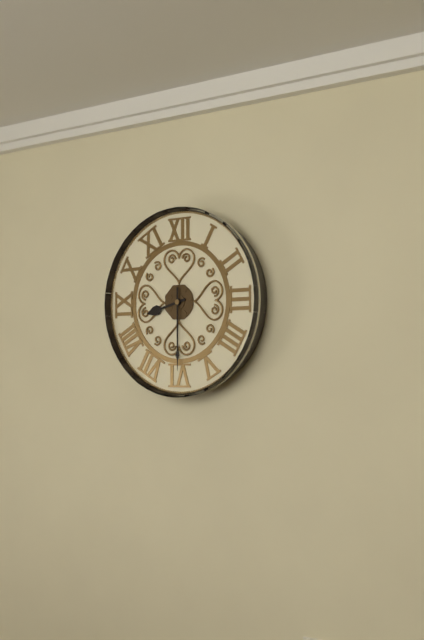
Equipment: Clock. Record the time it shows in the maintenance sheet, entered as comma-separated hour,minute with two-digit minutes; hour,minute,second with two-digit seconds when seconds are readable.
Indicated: 8,30
